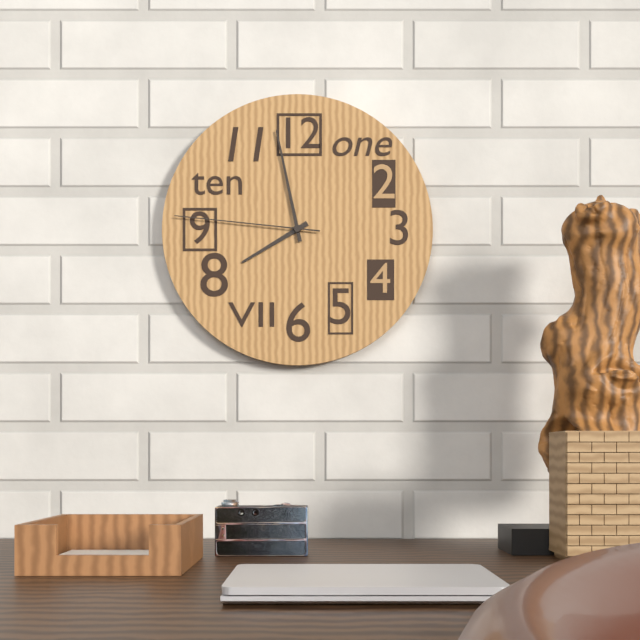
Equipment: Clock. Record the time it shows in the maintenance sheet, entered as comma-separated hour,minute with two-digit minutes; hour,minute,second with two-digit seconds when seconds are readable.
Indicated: 7,58,46
